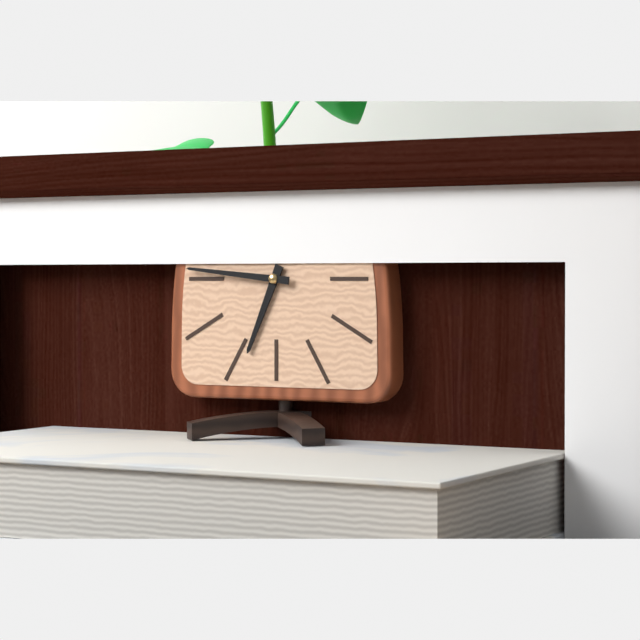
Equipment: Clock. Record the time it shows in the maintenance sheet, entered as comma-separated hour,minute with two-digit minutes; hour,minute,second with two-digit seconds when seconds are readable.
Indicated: 6,46
